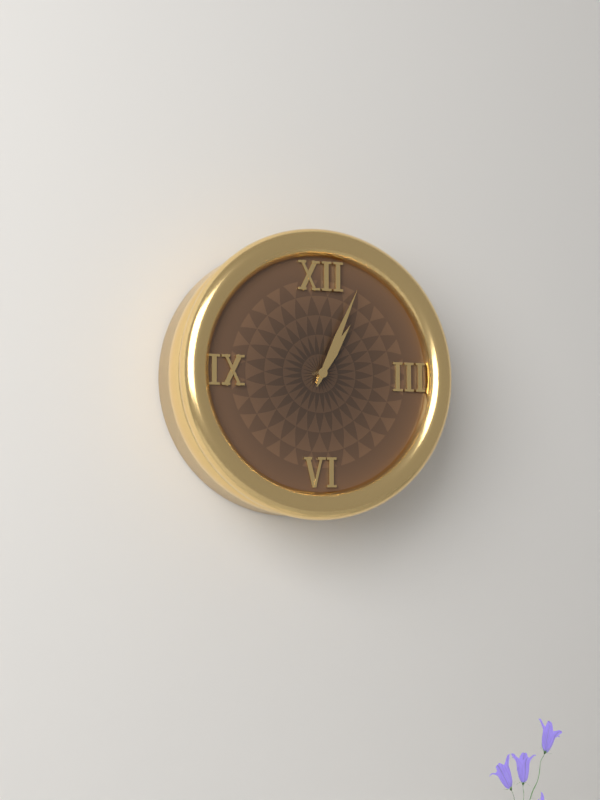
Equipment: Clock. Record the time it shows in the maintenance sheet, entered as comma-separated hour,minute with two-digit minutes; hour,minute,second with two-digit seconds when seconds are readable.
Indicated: 1,04
